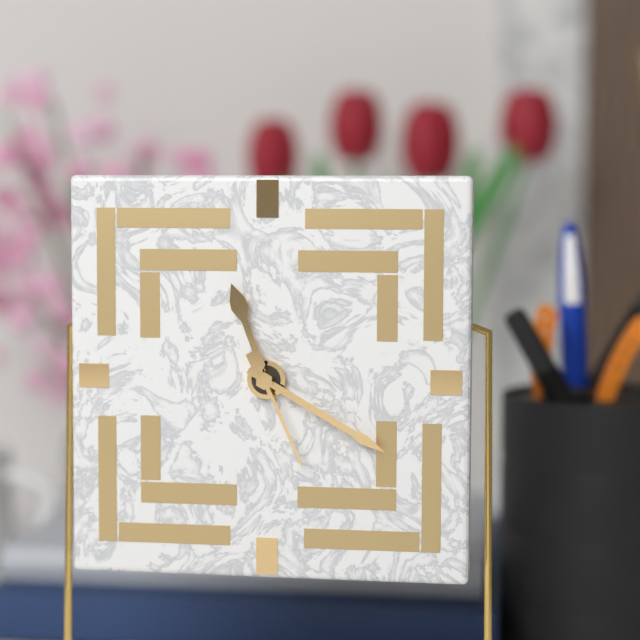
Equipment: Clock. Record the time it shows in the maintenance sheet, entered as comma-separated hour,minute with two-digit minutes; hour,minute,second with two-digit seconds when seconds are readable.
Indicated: 11,20,26
